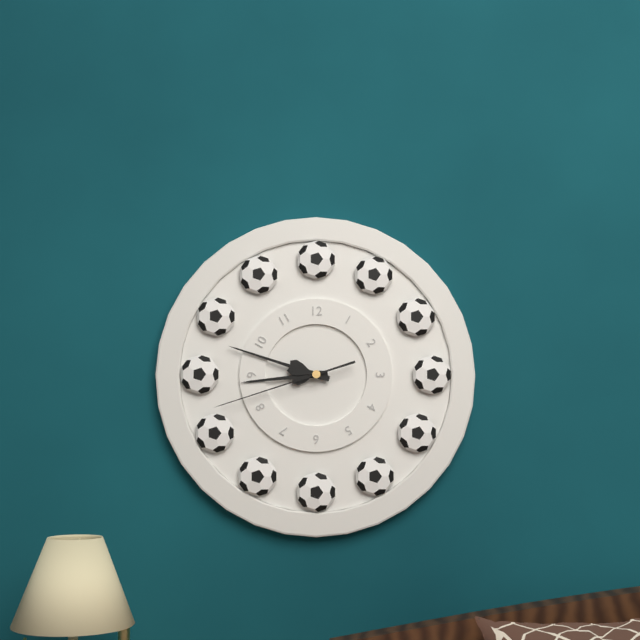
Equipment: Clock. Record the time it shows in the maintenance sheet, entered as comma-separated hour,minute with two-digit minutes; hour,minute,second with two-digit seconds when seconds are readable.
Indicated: 8,48,42
